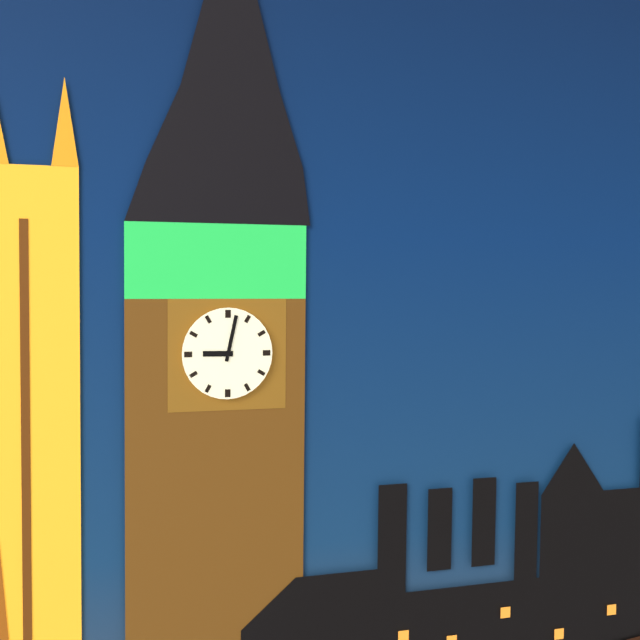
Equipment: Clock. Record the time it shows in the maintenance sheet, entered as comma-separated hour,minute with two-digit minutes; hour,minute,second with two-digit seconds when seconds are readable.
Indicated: 9,02
